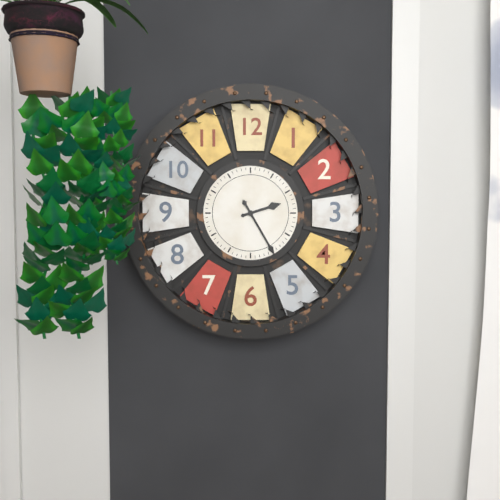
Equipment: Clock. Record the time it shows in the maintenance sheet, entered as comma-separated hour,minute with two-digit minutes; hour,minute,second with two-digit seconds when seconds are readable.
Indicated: 2,25
